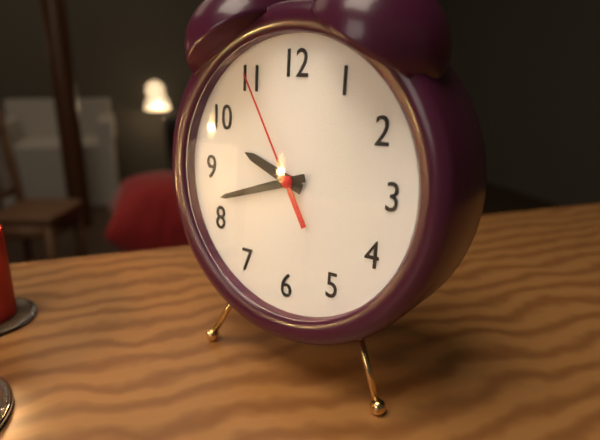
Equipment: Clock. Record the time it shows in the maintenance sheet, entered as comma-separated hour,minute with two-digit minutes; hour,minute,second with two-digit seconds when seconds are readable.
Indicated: 9,42,55
